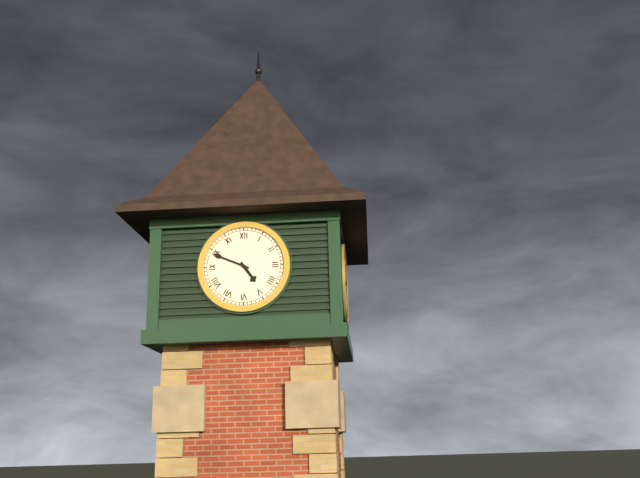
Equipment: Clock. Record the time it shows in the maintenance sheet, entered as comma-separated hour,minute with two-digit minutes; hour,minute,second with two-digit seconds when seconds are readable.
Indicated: 4,49
